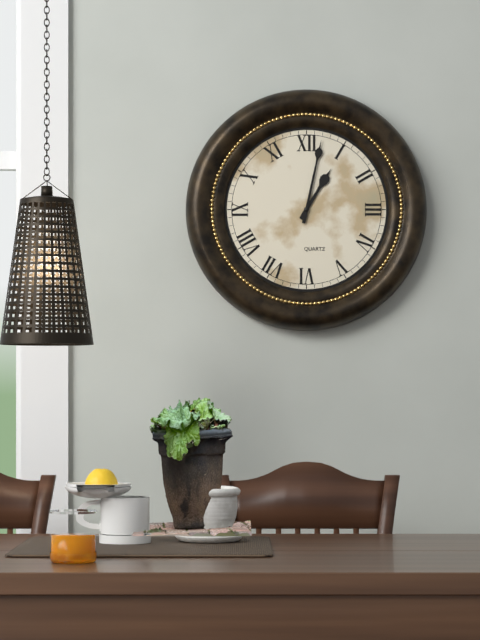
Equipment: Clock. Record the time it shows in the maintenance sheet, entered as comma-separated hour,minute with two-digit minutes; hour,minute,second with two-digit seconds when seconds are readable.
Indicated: 1,02
